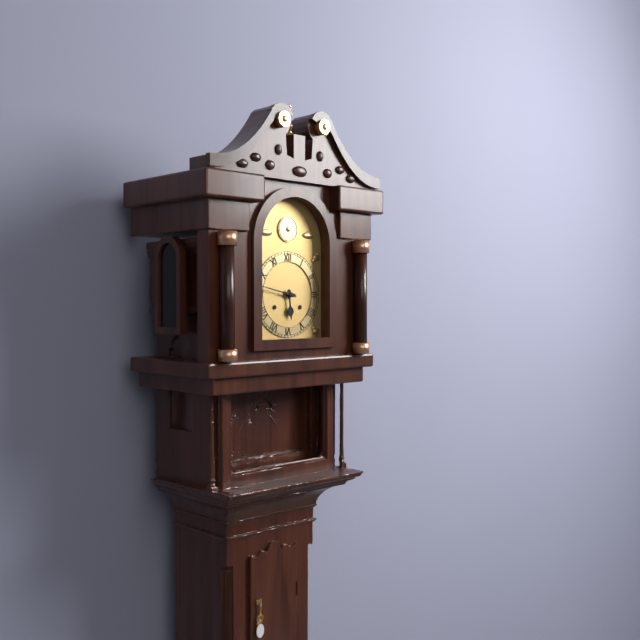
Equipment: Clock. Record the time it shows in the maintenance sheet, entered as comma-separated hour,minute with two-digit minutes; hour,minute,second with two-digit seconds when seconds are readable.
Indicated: 5,47
